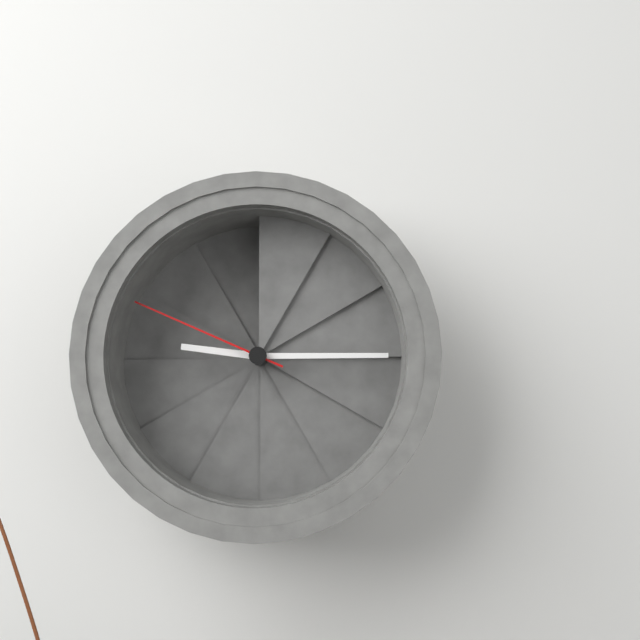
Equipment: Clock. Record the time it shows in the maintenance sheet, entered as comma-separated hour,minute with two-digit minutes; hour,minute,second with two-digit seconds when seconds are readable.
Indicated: 9,15,49
